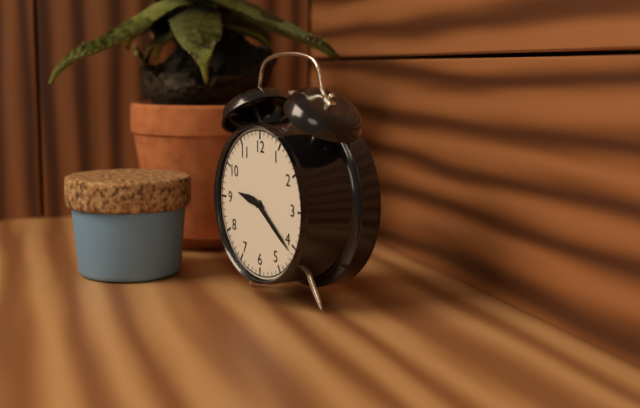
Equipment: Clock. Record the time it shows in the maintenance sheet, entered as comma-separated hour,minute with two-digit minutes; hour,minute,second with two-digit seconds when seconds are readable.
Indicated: 9,21
